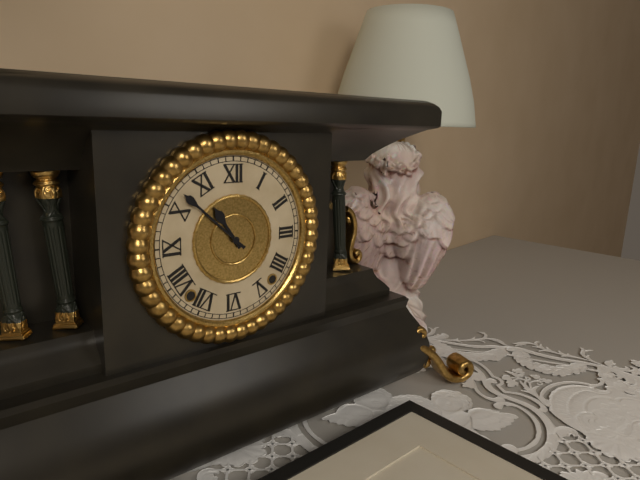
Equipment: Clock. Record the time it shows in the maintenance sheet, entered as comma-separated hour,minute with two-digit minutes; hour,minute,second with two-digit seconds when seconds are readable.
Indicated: 10,52
